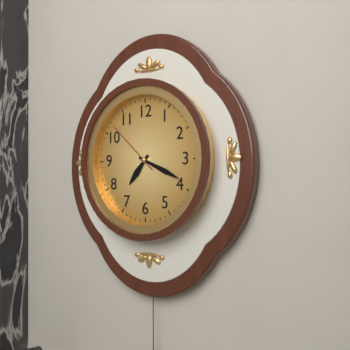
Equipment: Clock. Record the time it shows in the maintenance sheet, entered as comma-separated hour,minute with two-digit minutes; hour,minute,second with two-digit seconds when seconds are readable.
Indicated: 7,19,52
